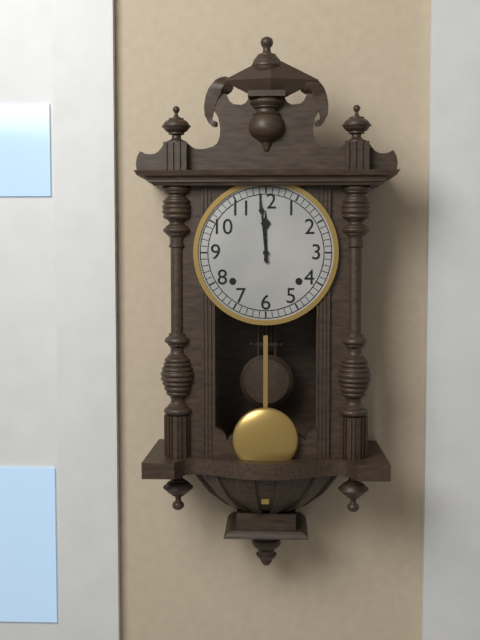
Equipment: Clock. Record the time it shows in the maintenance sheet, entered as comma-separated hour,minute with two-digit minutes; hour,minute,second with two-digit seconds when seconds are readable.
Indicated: 11,59
